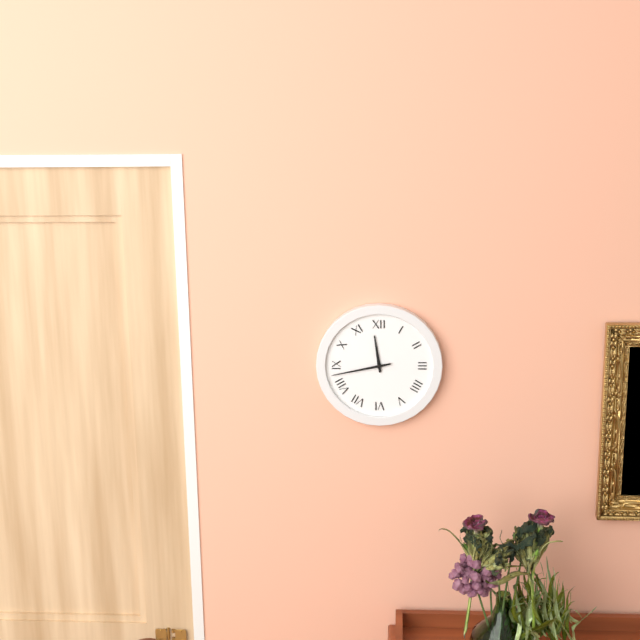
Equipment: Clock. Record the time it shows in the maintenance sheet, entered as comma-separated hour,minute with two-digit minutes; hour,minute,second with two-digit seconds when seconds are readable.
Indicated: 11,43
